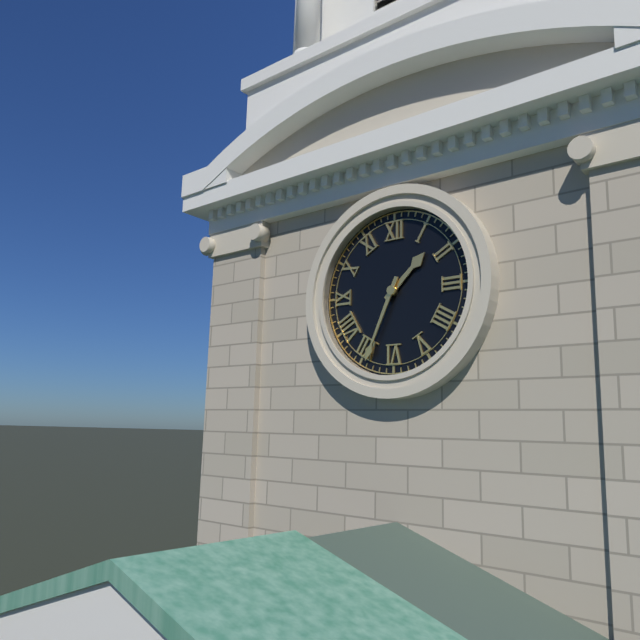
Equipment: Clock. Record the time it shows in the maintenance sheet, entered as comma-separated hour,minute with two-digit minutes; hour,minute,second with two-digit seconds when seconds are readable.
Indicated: 1,34
